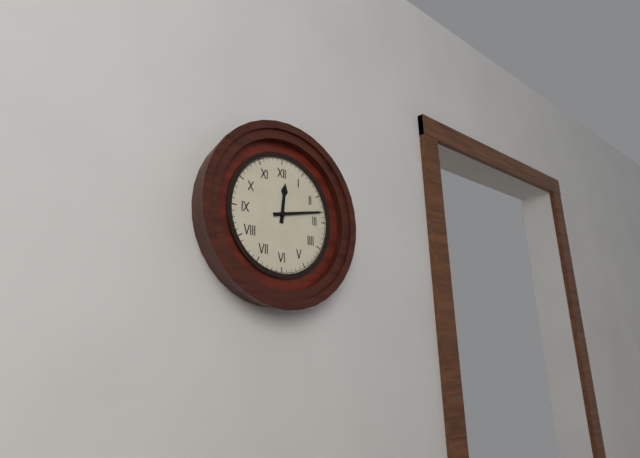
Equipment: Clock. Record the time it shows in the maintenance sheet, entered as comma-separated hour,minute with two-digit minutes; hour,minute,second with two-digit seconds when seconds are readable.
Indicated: 12,13
